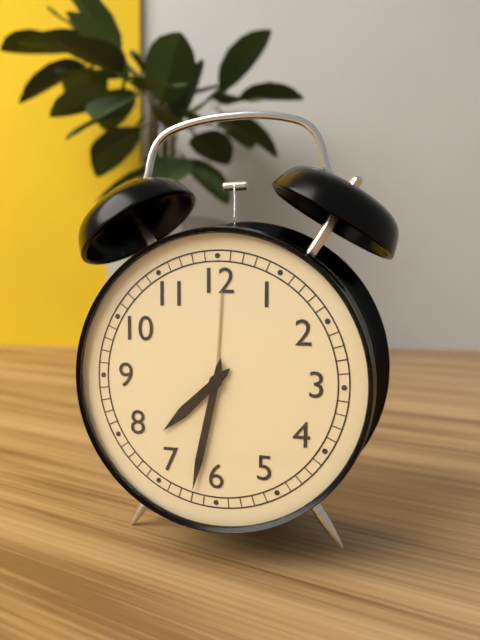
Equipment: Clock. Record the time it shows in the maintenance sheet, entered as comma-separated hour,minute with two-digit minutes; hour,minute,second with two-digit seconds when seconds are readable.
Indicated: 7,32
